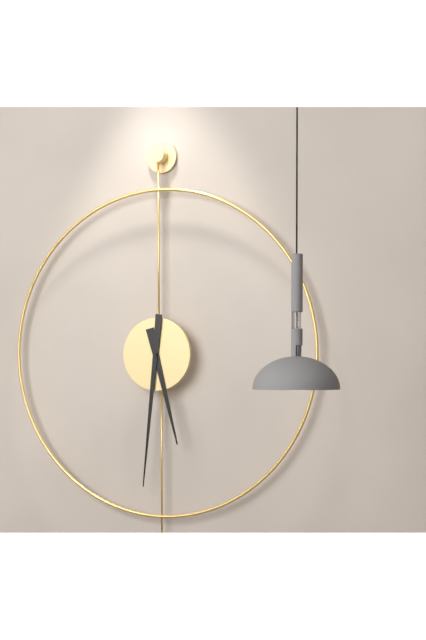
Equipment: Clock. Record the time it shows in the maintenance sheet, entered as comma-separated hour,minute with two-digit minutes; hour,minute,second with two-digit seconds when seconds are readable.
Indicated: 5,31
